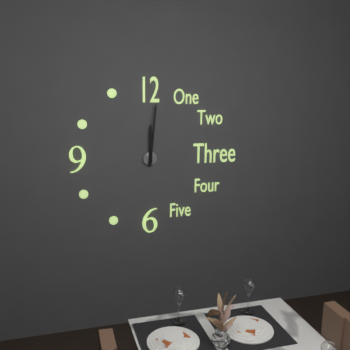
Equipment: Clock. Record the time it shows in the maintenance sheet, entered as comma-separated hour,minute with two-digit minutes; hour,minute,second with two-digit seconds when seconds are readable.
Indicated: 12,01
